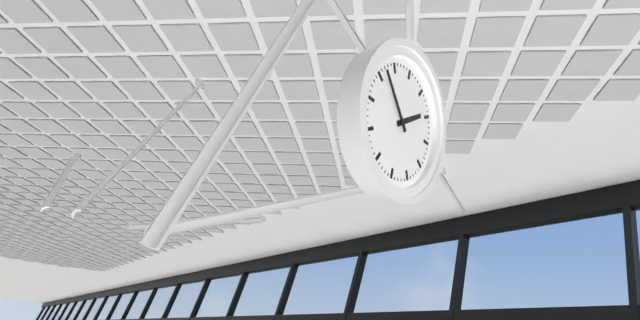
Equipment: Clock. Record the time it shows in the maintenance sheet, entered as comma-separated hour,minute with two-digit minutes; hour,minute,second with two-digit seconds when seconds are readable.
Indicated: 1,52
